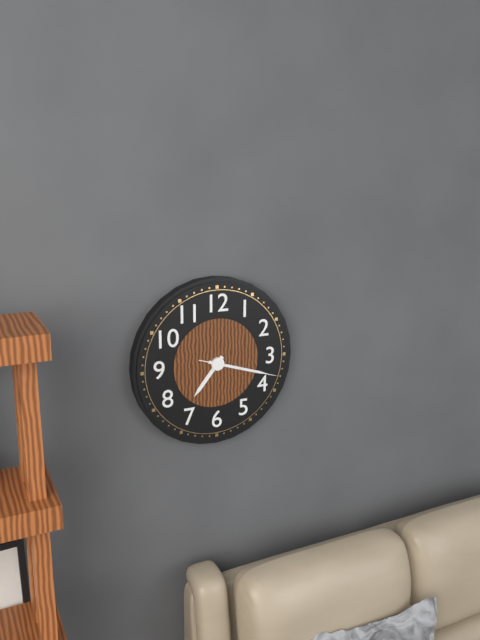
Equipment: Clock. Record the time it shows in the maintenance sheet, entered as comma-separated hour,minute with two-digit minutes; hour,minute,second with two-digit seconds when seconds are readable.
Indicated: 7,18,18
